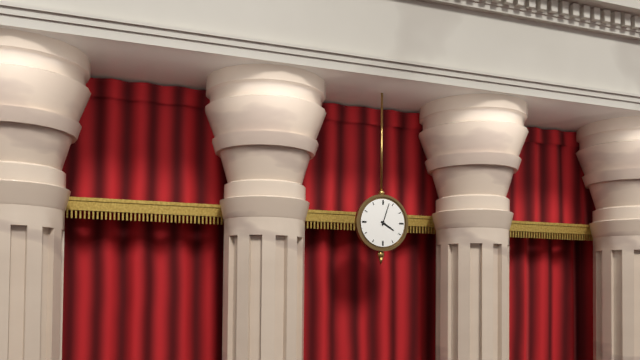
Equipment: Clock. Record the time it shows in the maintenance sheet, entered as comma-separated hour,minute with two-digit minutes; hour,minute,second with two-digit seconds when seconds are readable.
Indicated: 4,03
